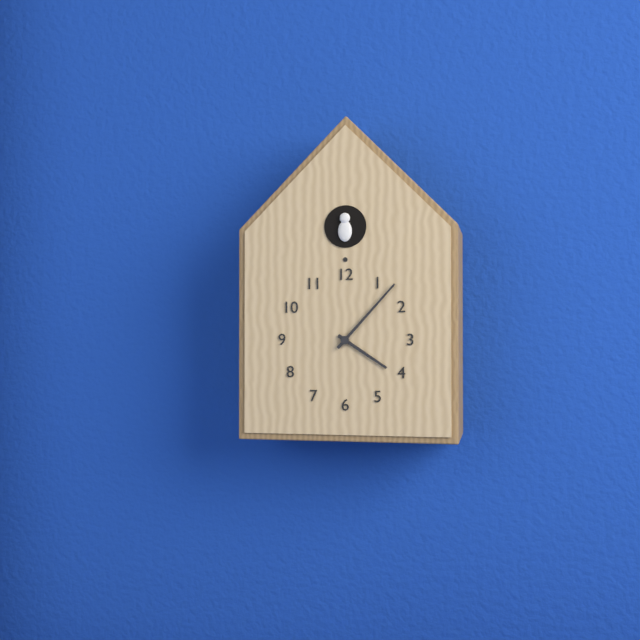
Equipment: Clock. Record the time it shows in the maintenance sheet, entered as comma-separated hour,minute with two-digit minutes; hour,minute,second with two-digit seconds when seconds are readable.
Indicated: 4,07
